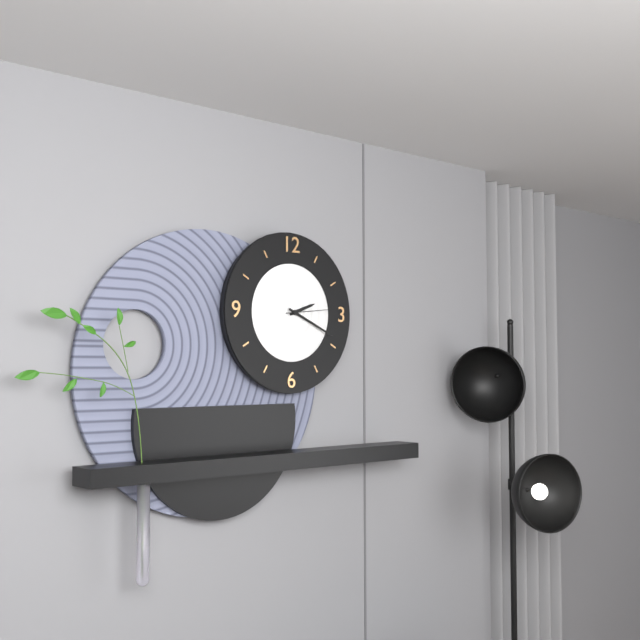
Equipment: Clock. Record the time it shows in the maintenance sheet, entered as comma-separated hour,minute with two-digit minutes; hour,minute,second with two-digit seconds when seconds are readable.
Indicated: 2,19
